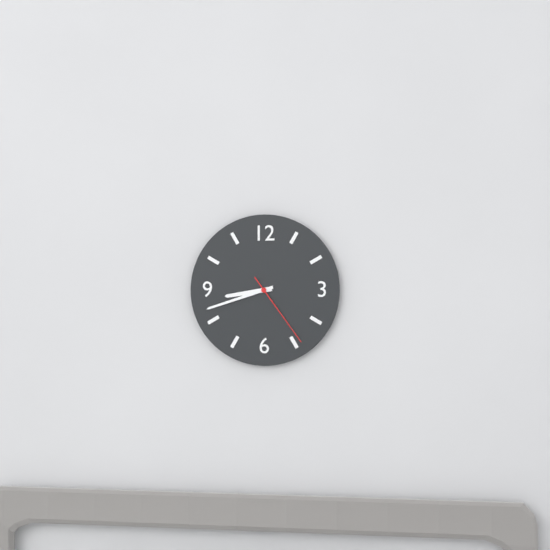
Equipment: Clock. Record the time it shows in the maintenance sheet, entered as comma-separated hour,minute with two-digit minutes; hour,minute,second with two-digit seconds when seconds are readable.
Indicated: 8,42,24
